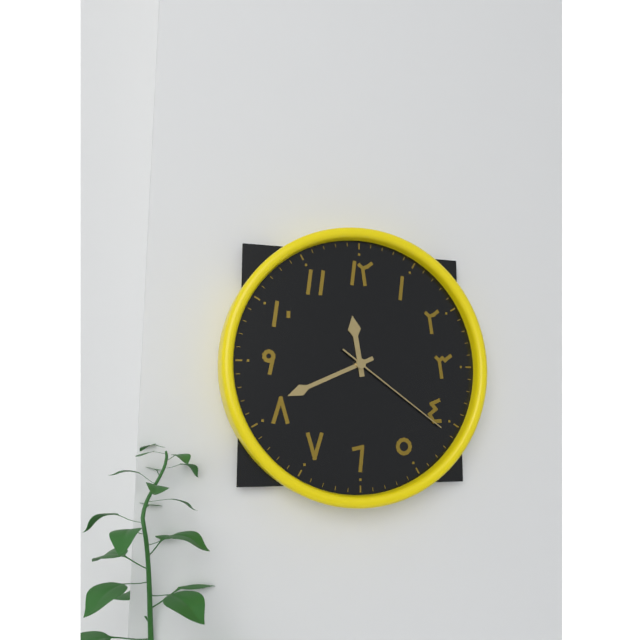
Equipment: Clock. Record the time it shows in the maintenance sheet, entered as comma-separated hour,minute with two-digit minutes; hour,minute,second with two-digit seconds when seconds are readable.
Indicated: 11,41,21
